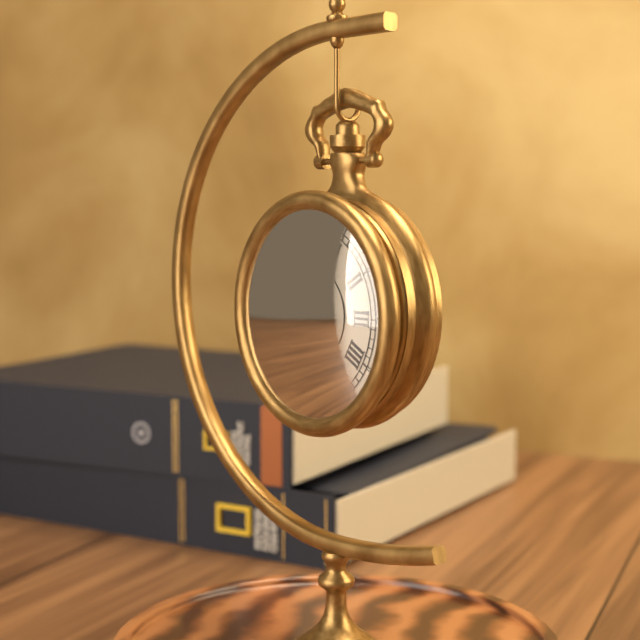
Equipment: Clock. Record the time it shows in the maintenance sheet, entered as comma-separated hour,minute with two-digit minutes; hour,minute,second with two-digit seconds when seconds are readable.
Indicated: 10,53,50
